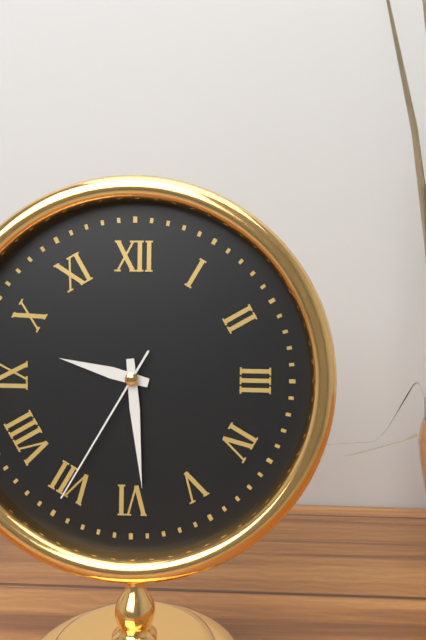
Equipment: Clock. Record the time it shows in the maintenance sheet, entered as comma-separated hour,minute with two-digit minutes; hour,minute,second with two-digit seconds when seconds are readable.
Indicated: 9,29,35
